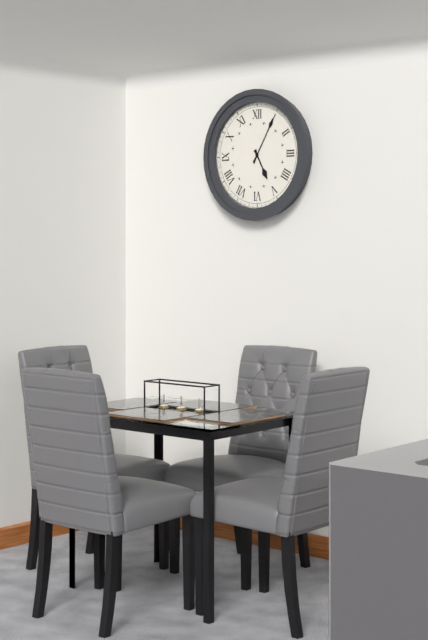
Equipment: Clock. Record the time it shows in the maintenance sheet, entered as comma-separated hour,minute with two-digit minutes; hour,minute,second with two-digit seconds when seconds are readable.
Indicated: 5,05
